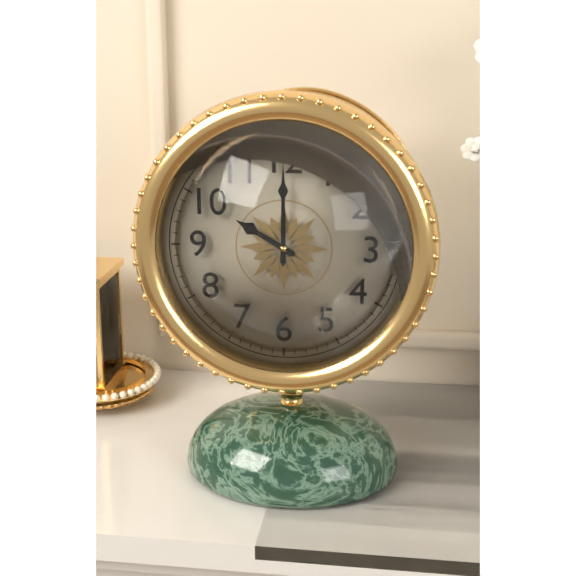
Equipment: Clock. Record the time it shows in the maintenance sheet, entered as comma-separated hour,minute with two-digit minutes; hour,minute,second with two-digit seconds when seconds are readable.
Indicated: 10,00
